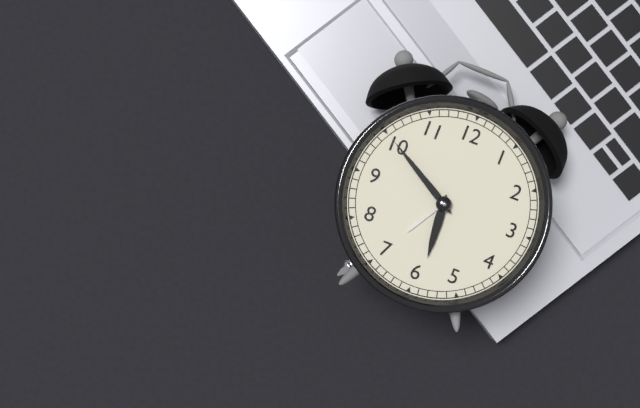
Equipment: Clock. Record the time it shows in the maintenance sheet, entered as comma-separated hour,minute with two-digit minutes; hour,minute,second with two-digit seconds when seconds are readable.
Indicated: 5,50
